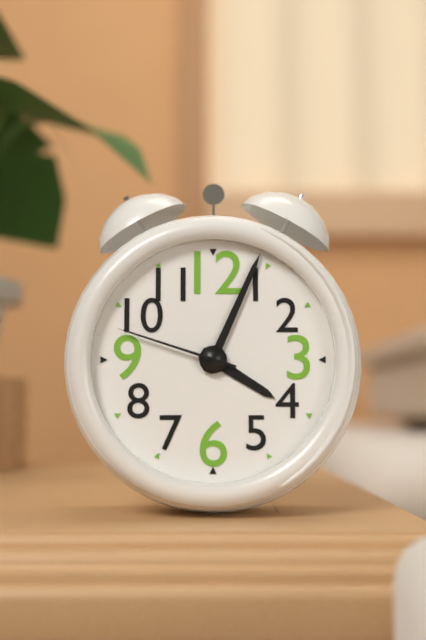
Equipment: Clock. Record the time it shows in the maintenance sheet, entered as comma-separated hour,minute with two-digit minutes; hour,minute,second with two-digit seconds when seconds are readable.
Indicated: 4,04,48
